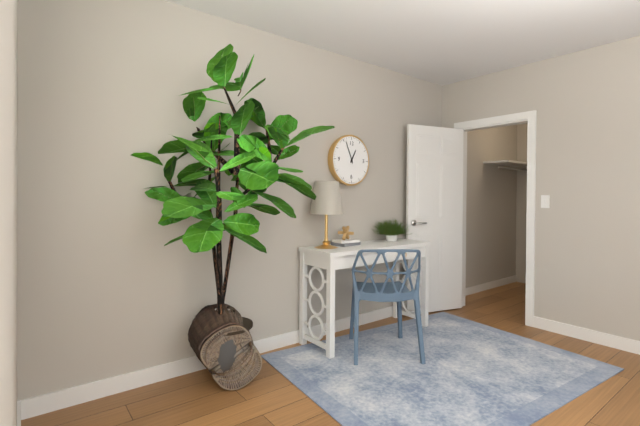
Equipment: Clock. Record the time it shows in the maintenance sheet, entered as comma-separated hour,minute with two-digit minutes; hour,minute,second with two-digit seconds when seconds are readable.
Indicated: 12,56
